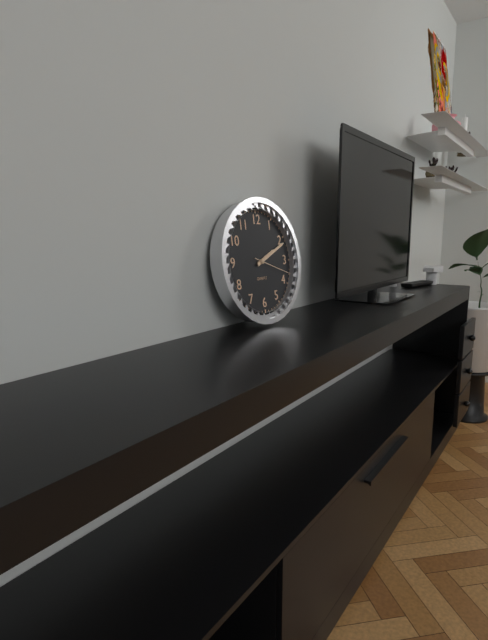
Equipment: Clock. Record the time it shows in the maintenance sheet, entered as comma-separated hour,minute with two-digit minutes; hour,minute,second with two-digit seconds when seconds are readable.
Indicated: 2,11,18
